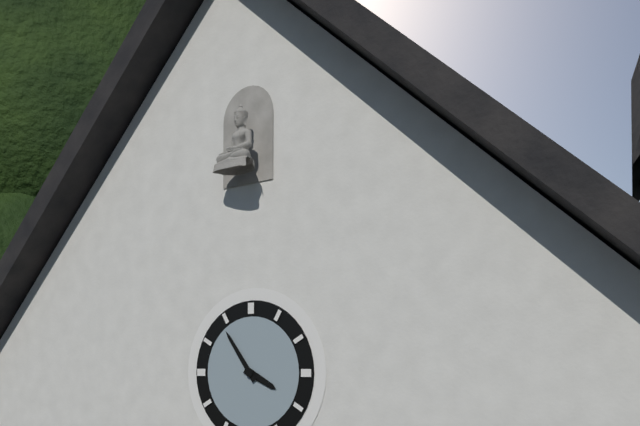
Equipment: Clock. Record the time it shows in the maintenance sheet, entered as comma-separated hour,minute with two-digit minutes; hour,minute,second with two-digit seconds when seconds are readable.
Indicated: 3,54
